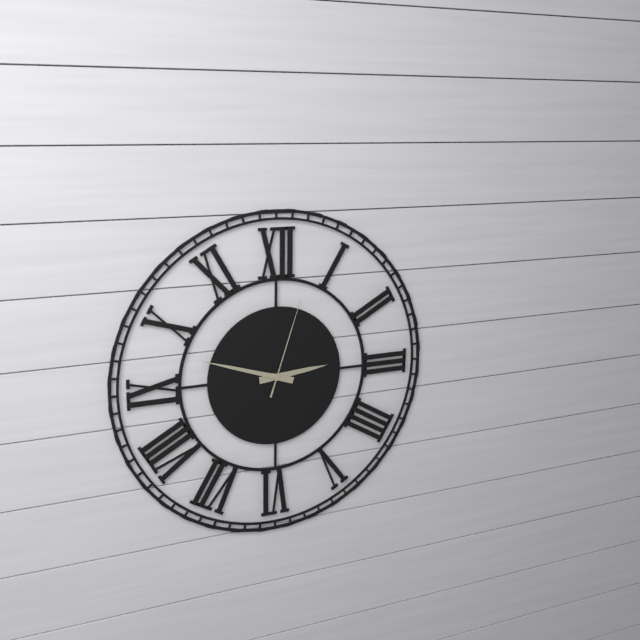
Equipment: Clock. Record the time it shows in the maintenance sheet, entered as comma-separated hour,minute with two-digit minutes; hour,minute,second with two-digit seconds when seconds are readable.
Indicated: 2,48,03
